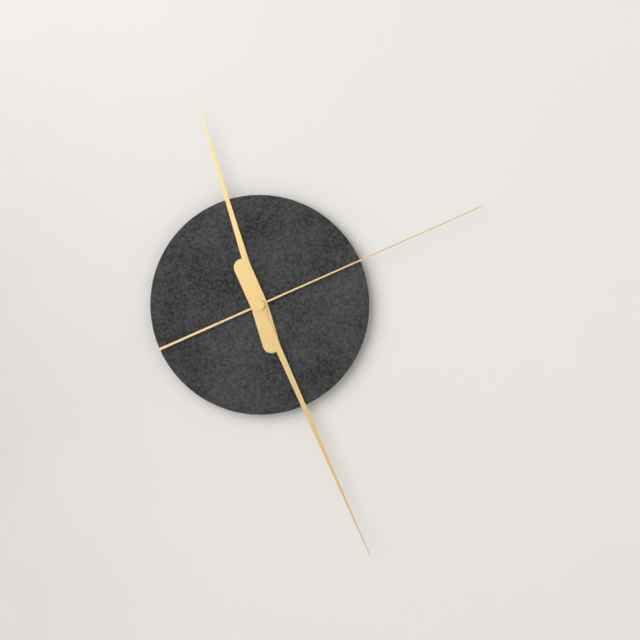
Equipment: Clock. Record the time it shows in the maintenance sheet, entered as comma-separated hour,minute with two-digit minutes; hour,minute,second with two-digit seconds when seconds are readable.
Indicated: 11,26,11
